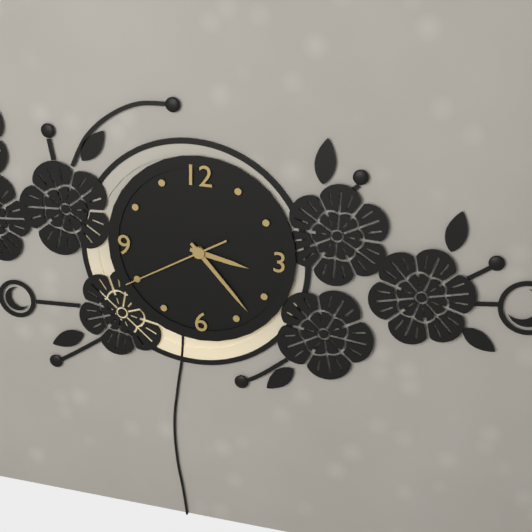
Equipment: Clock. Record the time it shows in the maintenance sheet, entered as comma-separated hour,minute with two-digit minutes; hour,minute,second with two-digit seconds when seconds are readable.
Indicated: 3,23,40
